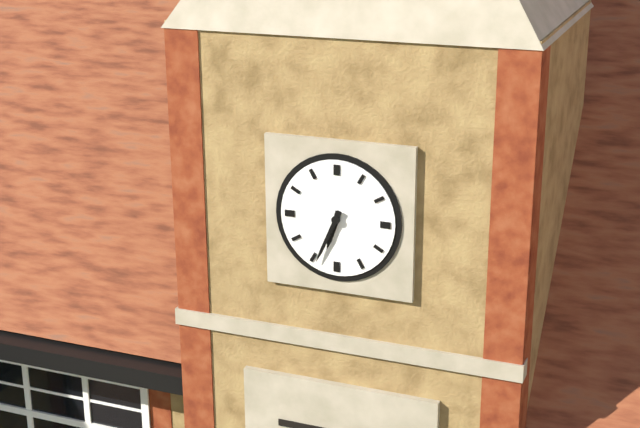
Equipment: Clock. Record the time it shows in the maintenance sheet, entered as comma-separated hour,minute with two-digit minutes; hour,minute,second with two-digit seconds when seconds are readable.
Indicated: 6,34
